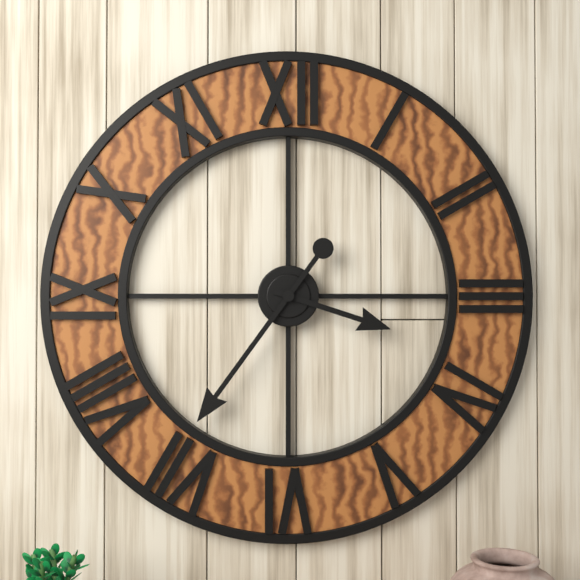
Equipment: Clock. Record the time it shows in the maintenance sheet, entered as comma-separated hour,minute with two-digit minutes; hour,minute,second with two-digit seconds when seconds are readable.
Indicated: 3,36
